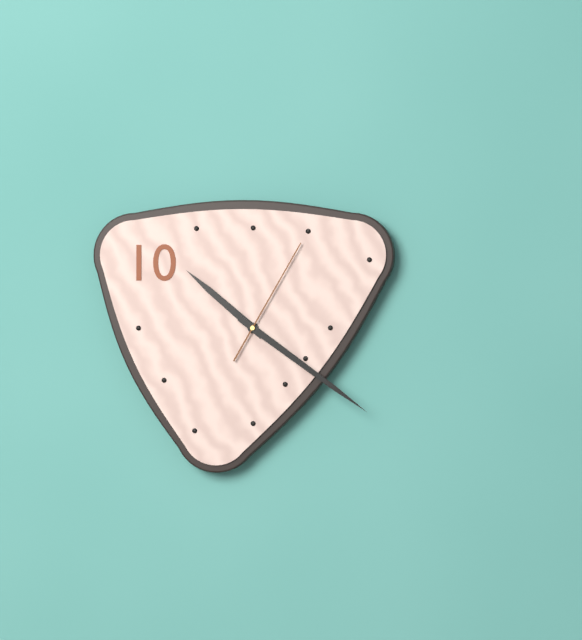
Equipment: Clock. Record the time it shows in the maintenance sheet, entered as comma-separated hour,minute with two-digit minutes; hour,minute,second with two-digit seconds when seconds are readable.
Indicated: 10,21,05
